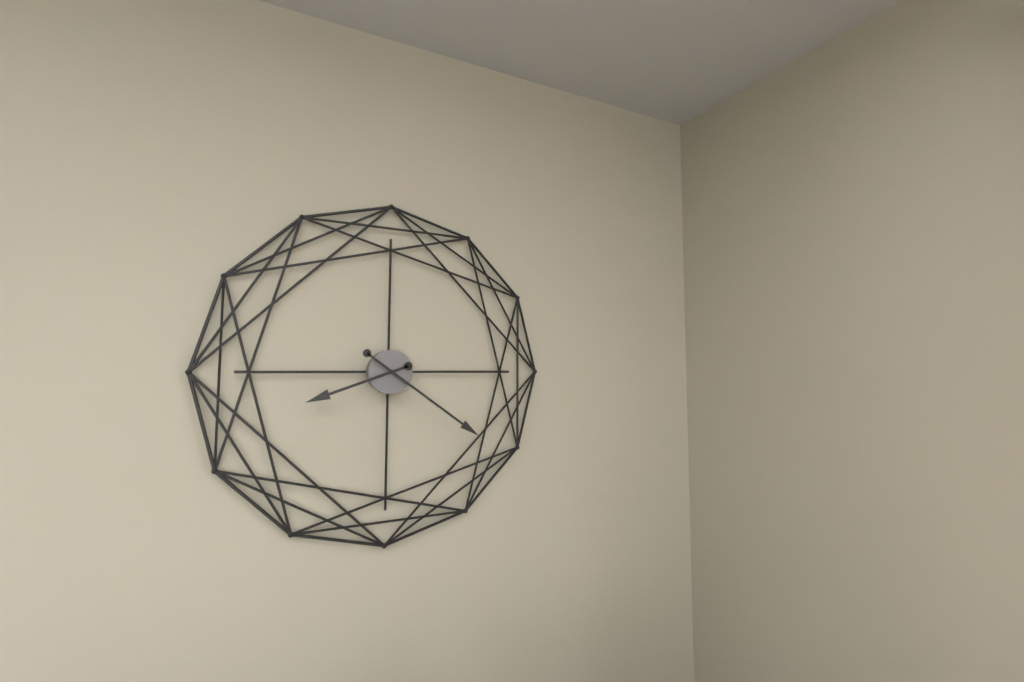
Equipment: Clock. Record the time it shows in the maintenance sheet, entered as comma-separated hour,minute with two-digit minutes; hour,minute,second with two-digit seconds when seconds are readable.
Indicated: 8,21
